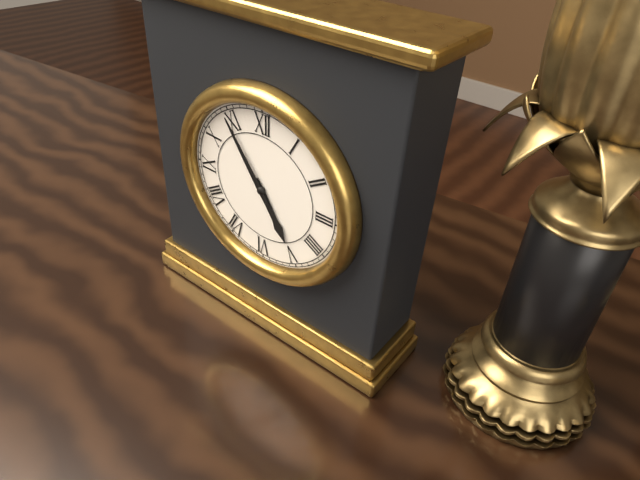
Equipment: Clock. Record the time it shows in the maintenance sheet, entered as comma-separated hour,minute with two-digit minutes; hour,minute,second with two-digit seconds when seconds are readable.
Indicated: 4,54
